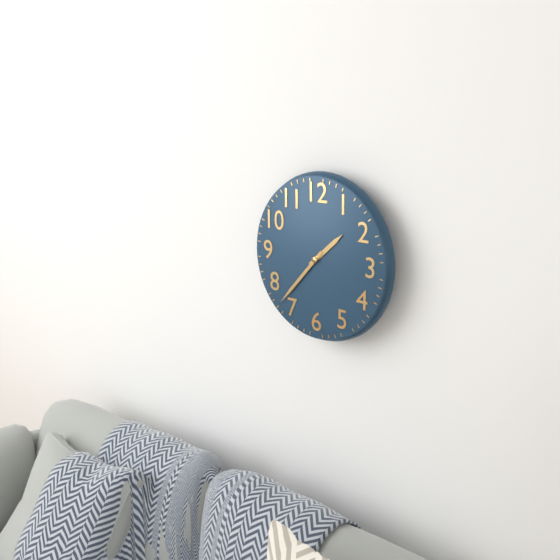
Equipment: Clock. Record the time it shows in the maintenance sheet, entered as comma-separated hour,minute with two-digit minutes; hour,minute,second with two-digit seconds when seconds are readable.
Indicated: 1,37
